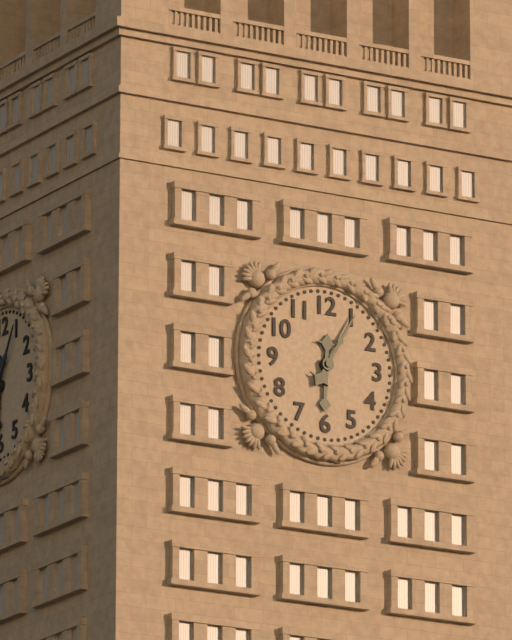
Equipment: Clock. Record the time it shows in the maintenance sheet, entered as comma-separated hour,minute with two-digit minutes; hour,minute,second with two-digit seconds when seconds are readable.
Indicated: 6,05
